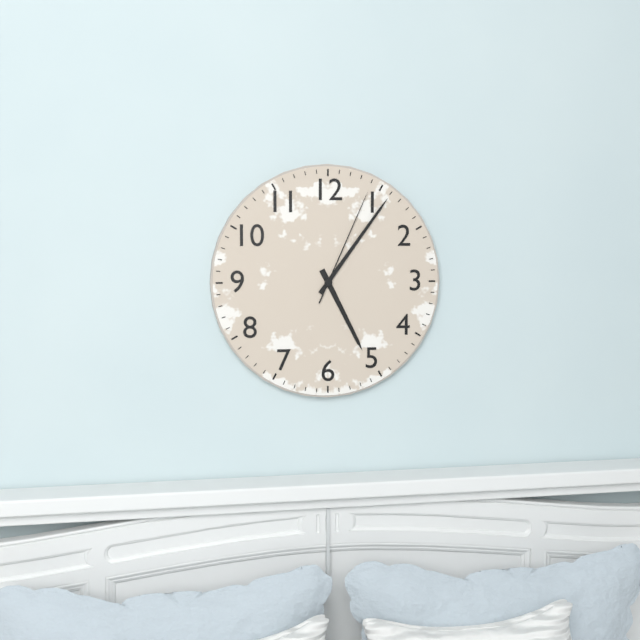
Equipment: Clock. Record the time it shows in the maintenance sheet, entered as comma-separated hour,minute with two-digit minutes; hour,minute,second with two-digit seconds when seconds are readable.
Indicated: 5,06,04
